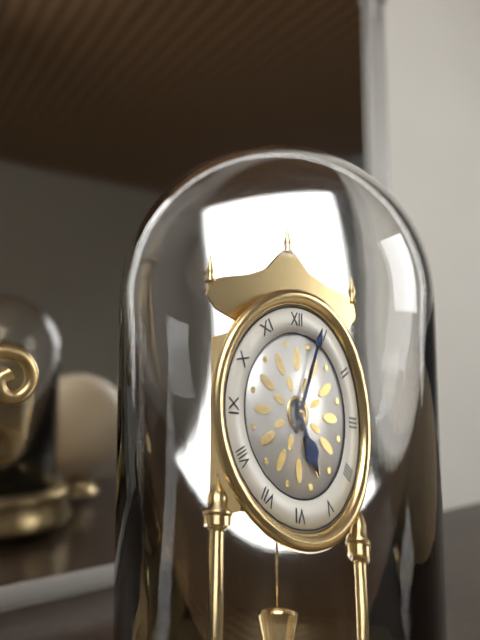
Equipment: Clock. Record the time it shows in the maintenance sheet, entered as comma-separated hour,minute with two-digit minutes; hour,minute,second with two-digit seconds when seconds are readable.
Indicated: 5,04
